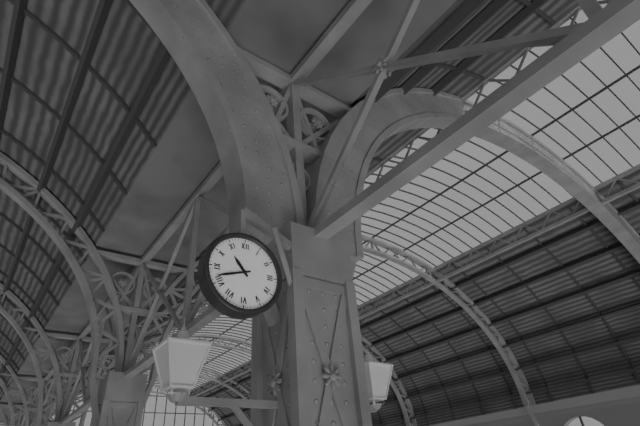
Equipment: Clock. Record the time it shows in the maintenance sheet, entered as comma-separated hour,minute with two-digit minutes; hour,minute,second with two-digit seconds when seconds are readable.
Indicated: 10,42
